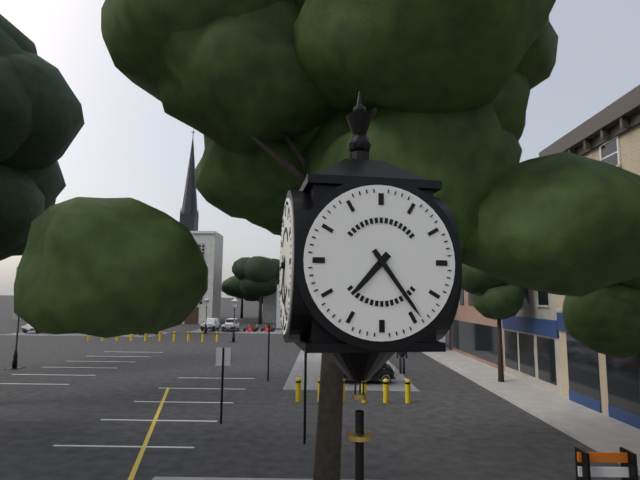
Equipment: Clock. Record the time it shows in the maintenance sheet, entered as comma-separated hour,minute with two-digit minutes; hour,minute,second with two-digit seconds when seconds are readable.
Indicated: 7,24
